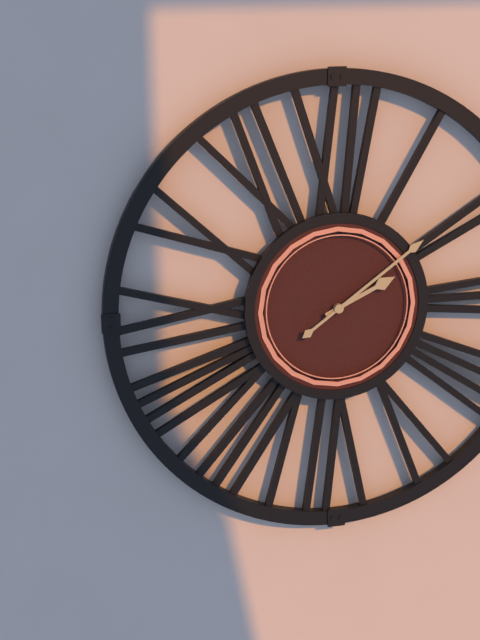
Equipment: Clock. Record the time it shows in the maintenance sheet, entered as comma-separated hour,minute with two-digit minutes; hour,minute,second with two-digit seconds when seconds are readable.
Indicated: 2,09
